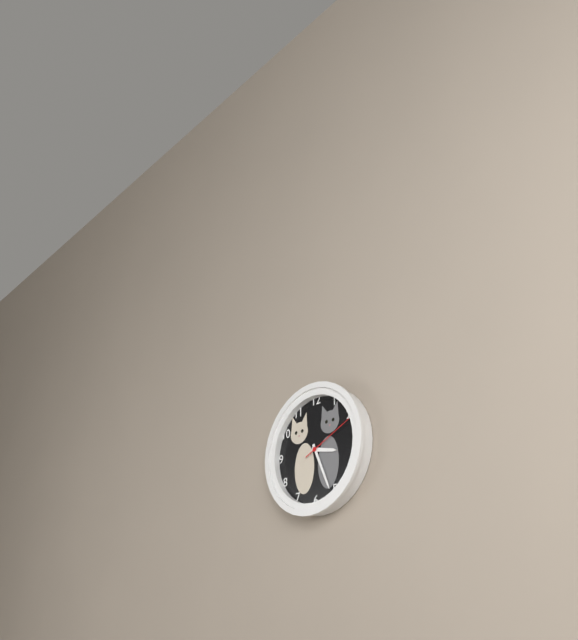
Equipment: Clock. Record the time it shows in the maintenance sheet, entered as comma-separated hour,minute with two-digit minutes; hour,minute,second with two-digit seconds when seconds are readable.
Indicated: 3,26,11
